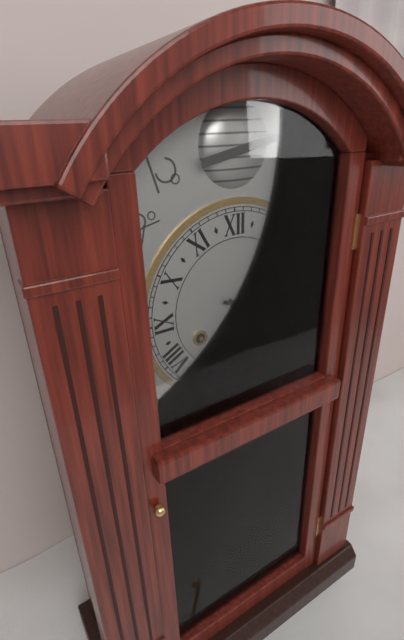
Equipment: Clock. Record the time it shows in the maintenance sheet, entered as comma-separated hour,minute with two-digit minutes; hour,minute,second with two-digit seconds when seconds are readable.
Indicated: 4,19
